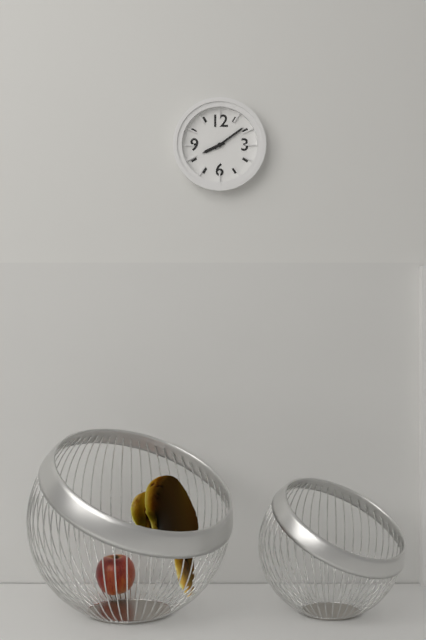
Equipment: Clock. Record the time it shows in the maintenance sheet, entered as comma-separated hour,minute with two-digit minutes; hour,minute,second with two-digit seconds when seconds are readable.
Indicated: 8,09
